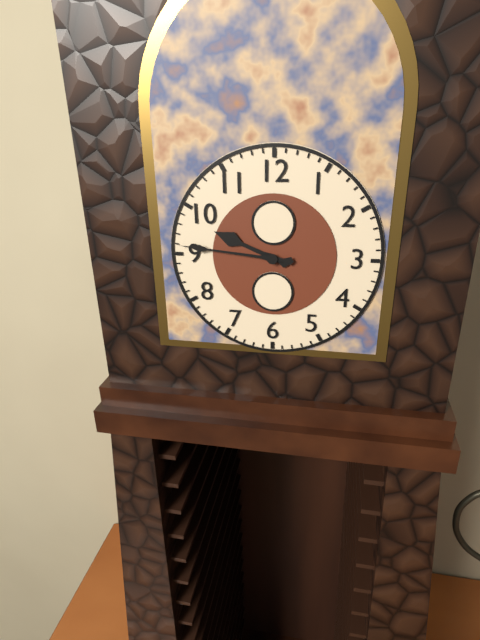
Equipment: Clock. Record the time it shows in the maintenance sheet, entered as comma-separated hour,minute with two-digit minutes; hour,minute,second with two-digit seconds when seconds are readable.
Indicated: 9,46
